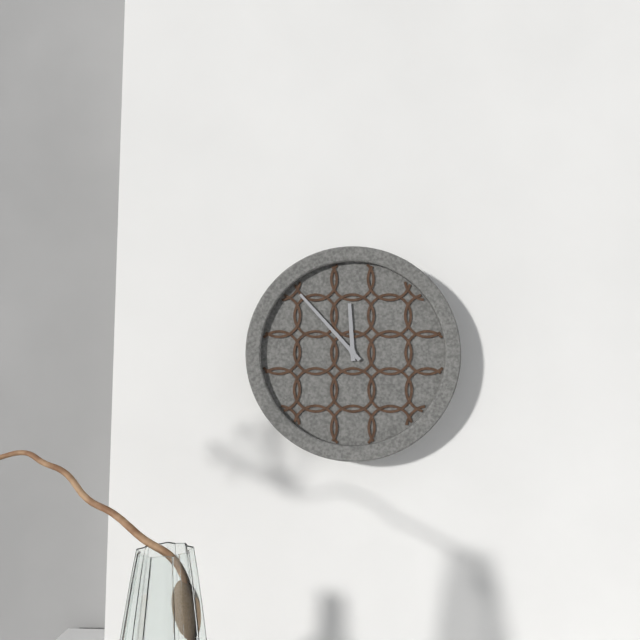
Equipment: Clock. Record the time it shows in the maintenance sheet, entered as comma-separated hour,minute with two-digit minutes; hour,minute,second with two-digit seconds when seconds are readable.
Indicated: 11,53
